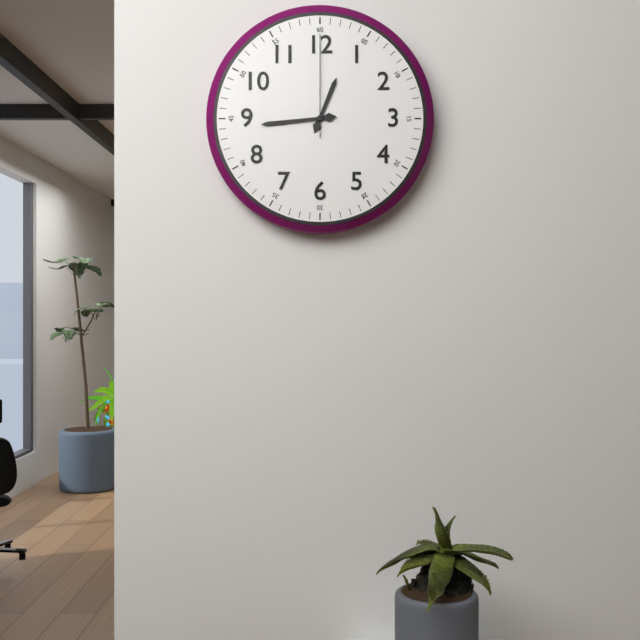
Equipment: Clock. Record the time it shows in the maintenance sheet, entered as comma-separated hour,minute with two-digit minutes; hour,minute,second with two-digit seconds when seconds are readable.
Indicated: 12,44,00
